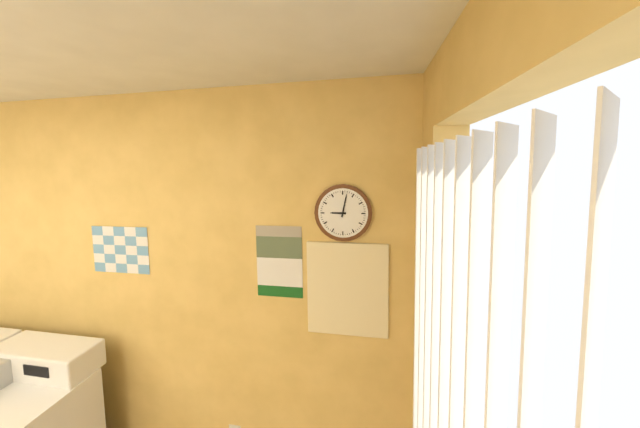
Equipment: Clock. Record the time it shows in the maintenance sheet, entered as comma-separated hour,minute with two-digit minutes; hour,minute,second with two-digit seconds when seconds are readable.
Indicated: 9,02
